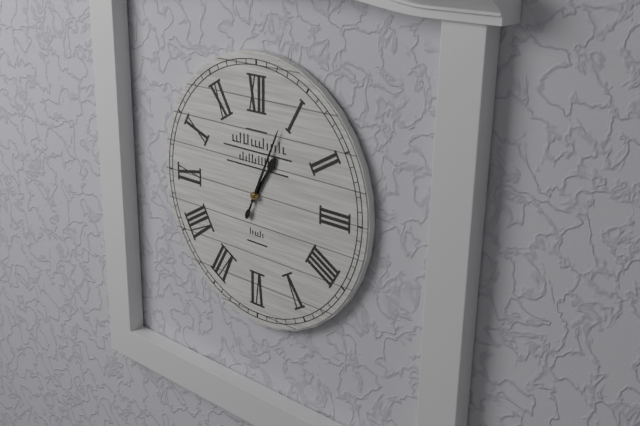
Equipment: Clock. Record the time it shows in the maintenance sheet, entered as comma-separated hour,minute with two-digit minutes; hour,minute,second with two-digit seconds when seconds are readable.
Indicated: 1,04
